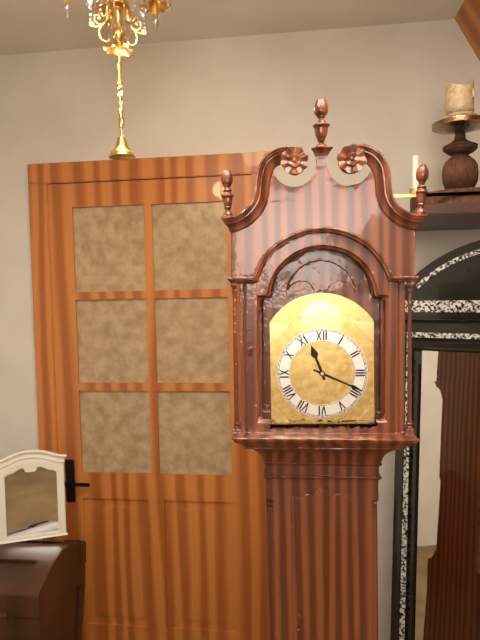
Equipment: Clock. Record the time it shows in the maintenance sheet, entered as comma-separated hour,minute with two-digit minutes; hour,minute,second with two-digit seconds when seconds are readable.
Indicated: 11,19
